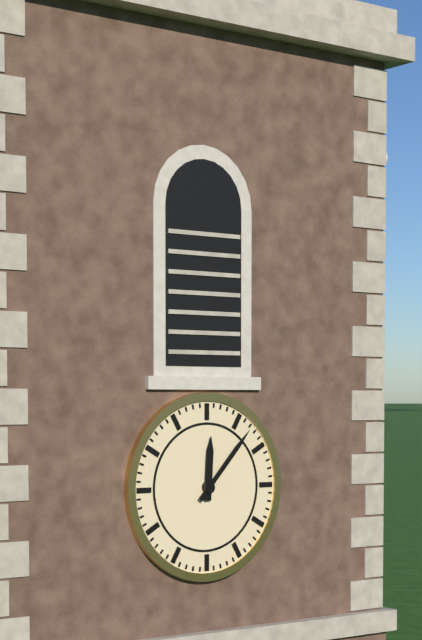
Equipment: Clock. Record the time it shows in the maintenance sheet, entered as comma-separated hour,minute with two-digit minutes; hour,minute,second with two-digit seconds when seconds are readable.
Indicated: 12,07
